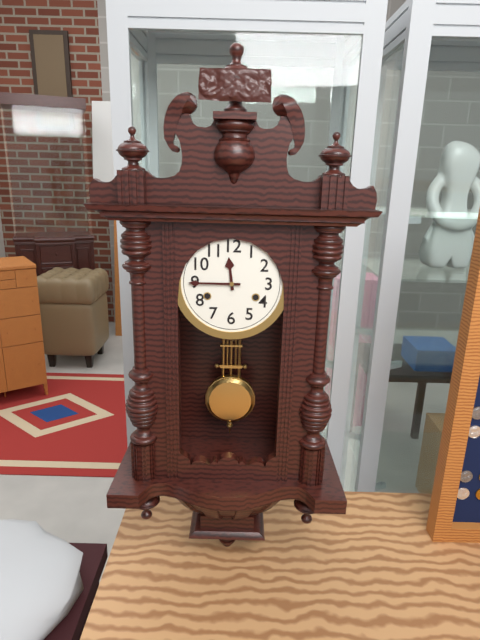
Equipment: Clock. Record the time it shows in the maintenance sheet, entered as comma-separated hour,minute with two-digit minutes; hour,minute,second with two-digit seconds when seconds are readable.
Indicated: 11,45
